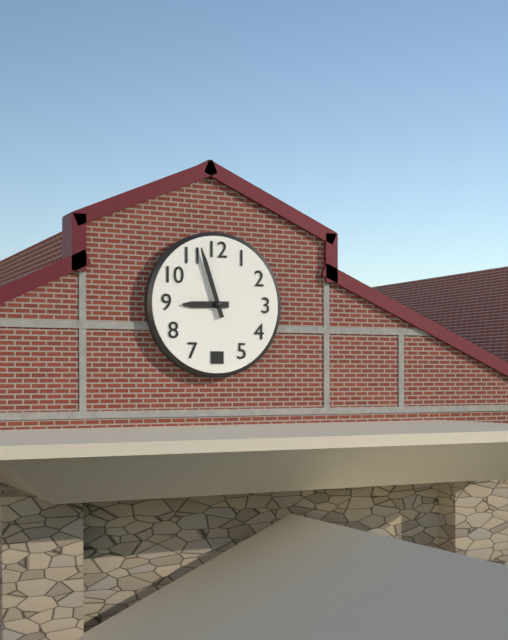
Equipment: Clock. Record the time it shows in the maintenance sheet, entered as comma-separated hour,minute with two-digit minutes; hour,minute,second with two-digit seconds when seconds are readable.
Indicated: 8,57
